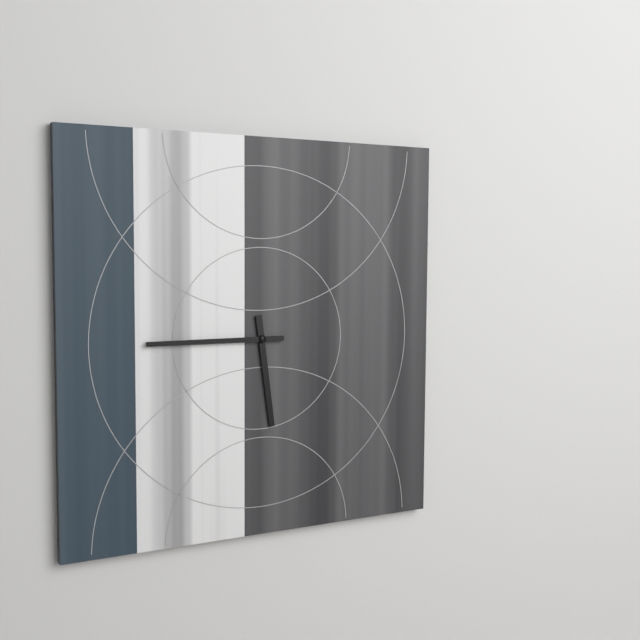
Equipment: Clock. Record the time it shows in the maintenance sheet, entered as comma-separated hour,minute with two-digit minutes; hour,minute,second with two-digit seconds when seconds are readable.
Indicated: 5,45
